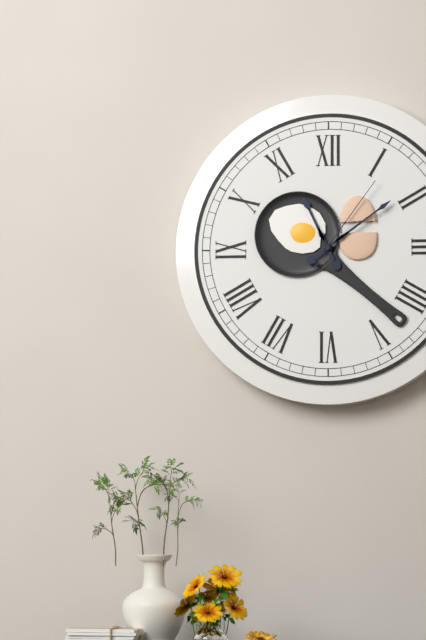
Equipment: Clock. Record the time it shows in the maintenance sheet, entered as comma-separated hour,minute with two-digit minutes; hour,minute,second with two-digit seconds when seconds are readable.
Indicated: 11,09,06
